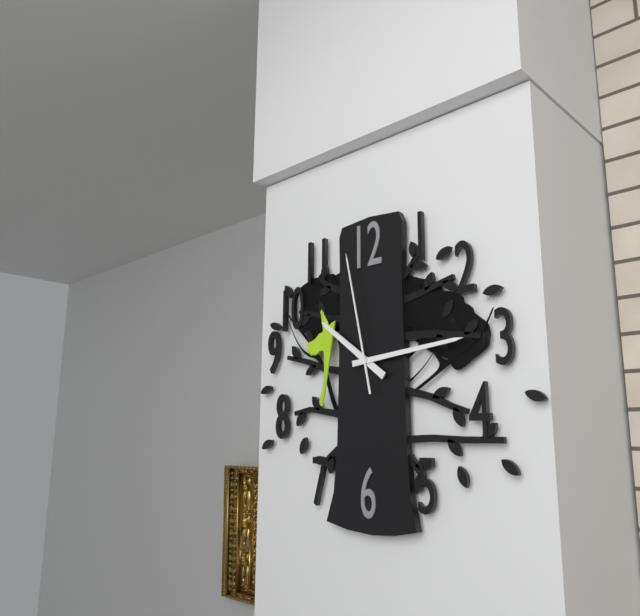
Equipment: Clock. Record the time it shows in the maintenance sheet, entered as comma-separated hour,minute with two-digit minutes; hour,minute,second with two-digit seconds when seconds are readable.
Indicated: 10,14,58
